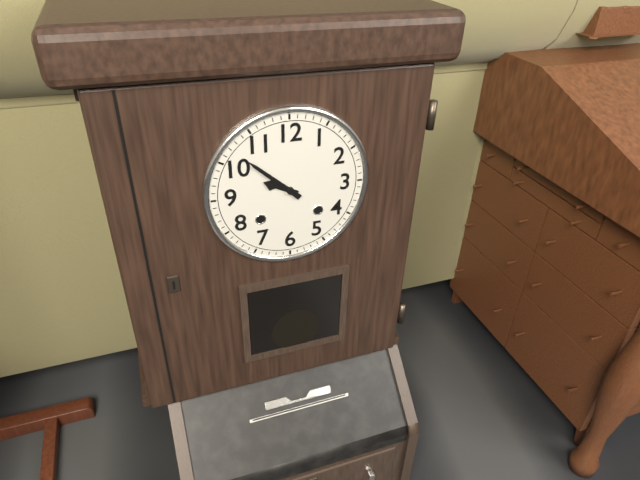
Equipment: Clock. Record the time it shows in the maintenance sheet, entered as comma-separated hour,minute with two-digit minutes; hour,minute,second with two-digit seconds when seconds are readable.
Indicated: 9,52
